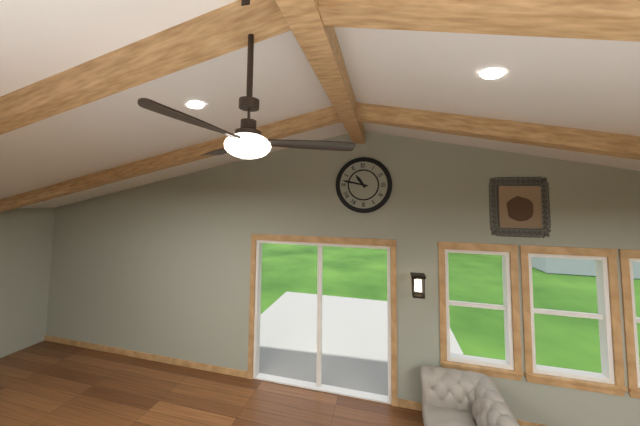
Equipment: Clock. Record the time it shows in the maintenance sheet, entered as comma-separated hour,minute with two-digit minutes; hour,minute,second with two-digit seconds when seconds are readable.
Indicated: 10,47
